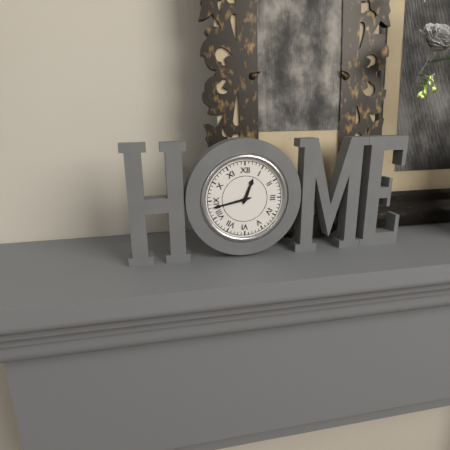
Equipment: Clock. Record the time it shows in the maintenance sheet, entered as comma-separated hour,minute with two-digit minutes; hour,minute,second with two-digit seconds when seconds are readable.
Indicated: 12,43
